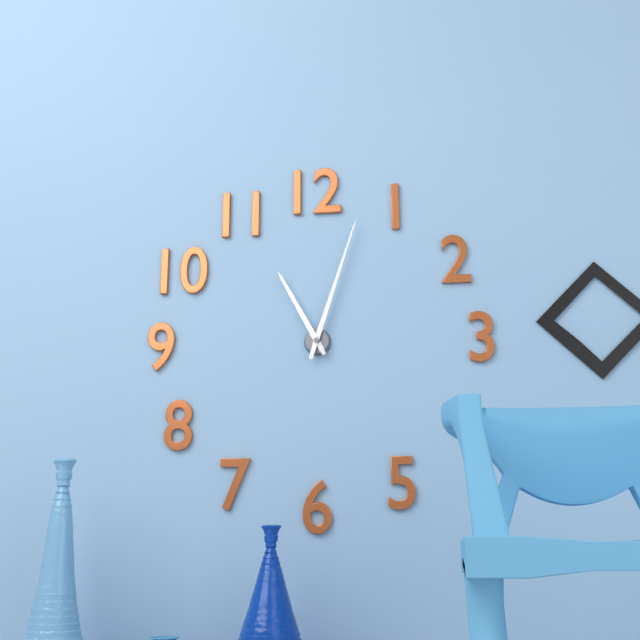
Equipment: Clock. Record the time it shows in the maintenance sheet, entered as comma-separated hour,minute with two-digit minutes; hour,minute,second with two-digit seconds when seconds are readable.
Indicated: 11,03
